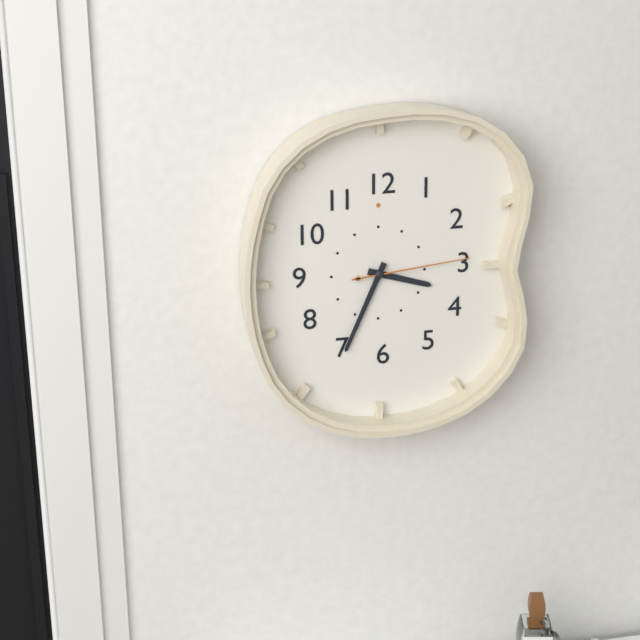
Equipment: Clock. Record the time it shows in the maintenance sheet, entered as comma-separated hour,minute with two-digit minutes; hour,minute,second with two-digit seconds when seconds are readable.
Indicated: 3,34,14
